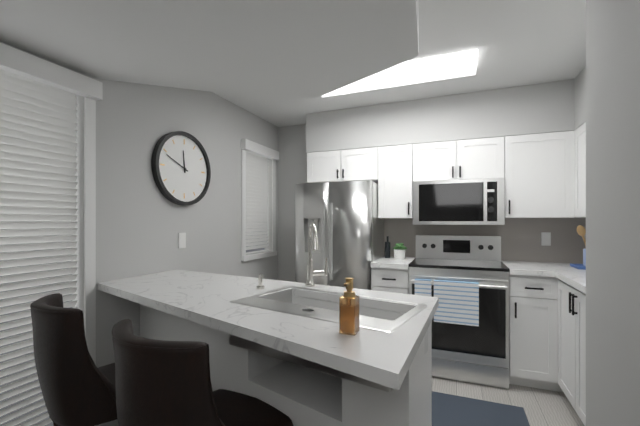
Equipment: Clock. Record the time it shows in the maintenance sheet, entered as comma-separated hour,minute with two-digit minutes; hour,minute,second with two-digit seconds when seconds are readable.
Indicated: 11,49
